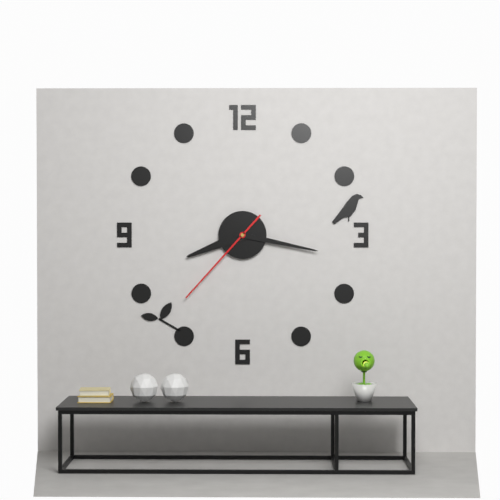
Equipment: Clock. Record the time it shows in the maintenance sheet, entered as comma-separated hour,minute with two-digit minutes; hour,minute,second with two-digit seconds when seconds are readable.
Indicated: 8,17,37
